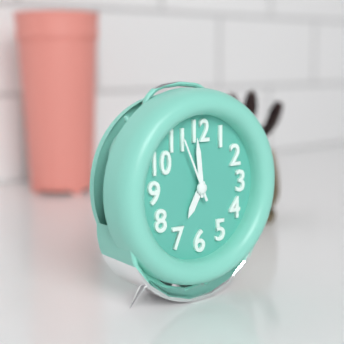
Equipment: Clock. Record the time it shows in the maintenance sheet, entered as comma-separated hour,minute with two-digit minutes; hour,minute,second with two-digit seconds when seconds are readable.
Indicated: 6,59,56
